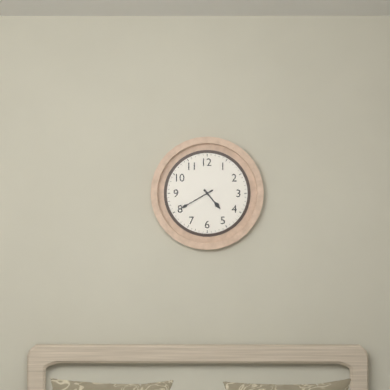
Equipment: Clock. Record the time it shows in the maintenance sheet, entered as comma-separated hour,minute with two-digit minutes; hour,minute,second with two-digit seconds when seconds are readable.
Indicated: 4,40
